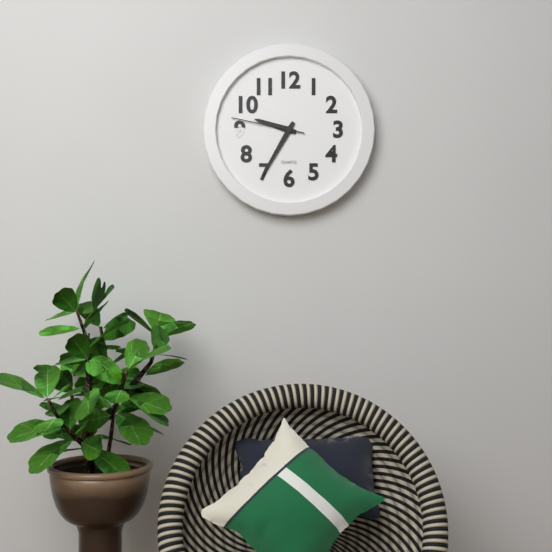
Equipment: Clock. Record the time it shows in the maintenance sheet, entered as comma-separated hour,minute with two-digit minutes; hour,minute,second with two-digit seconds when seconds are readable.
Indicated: 9,35,47
